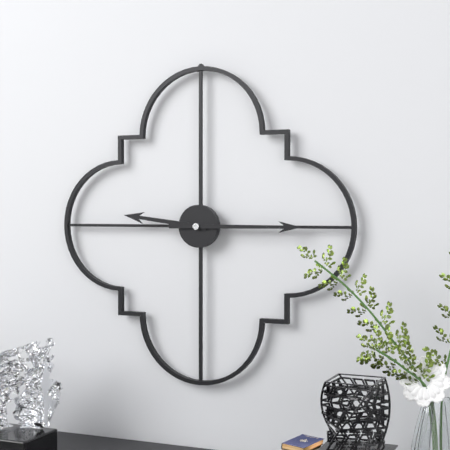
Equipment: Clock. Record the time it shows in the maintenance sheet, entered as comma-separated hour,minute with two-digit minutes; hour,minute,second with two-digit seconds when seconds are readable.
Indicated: 9,15
